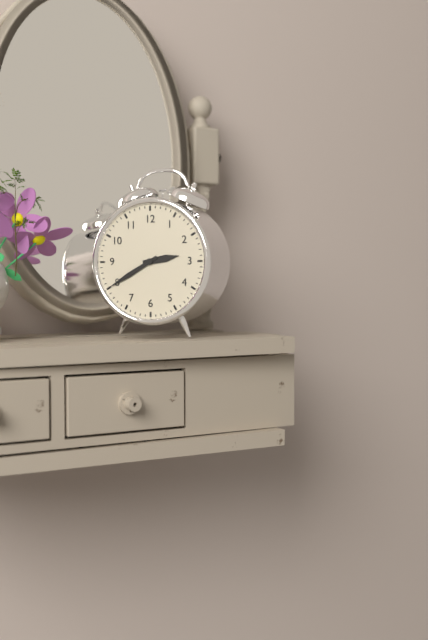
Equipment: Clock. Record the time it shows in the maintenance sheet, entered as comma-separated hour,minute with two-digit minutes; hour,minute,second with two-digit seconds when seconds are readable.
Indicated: 2,40
